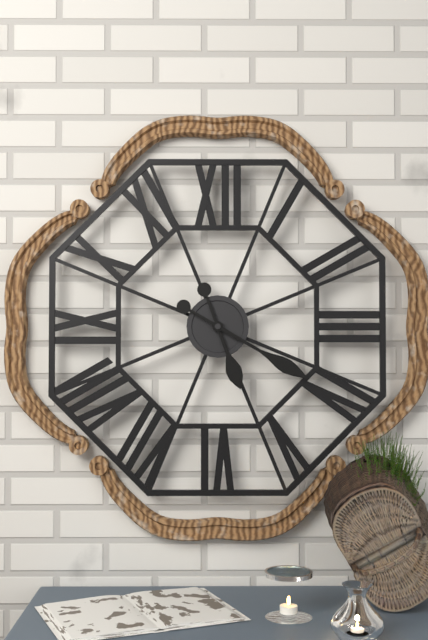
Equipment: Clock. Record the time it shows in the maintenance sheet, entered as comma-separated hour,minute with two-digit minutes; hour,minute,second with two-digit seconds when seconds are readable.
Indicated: 5,20
